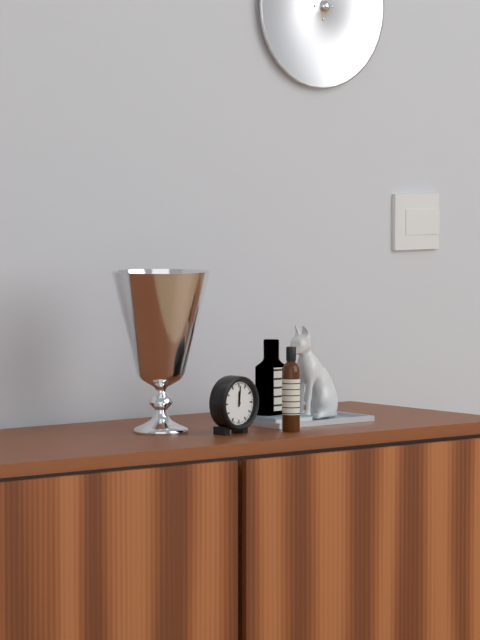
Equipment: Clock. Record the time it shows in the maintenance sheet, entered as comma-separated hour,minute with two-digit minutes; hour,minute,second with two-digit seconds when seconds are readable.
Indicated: 12,01
